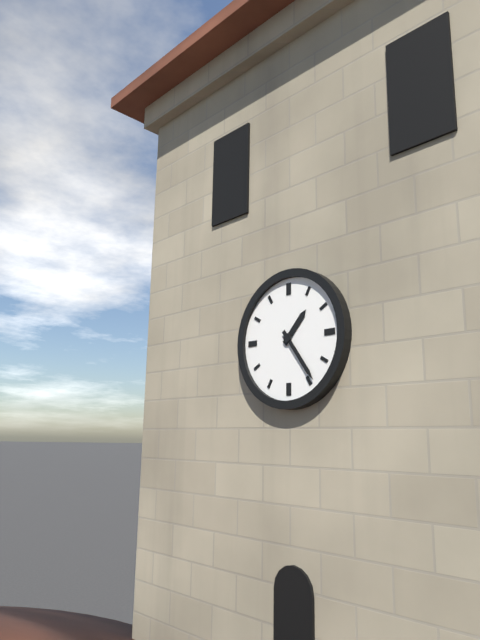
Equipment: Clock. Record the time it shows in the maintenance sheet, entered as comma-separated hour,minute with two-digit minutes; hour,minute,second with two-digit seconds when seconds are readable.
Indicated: 1,24
